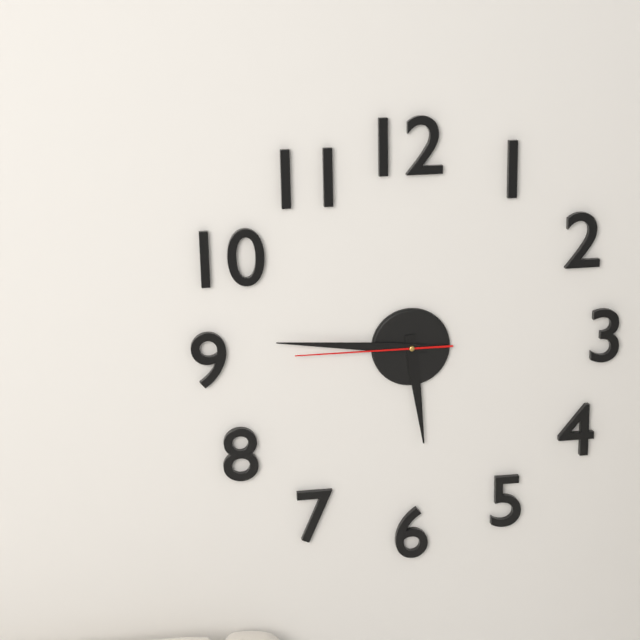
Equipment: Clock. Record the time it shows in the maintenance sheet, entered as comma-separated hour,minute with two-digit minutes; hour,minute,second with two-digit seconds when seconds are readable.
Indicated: 5,46,45
